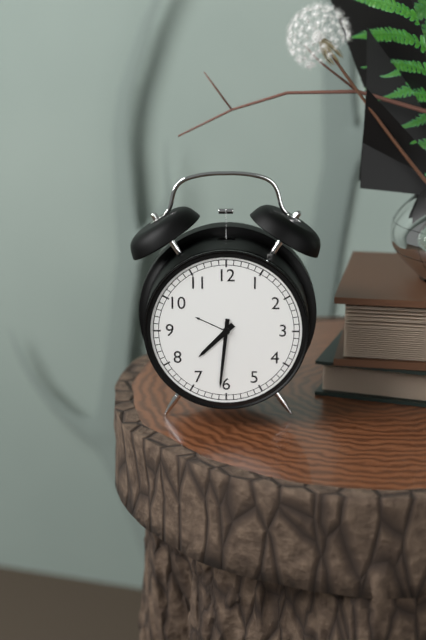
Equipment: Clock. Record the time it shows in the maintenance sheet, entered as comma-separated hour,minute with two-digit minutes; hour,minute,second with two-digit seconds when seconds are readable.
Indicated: 7,31
